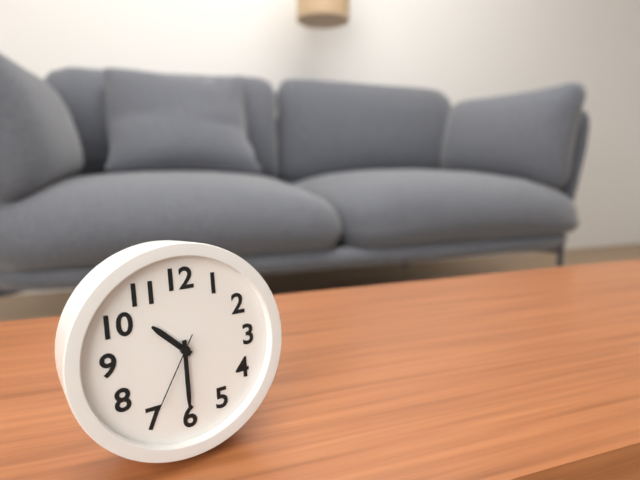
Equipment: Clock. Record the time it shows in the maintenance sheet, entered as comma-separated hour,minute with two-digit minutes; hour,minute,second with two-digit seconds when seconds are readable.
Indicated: 10,30,35
